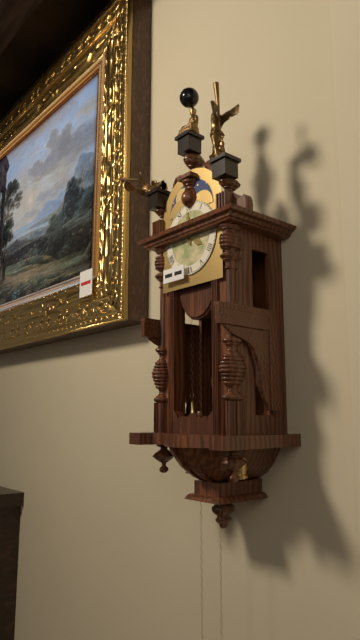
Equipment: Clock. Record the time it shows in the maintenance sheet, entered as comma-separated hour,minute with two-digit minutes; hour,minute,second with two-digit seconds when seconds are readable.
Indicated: 3,59
